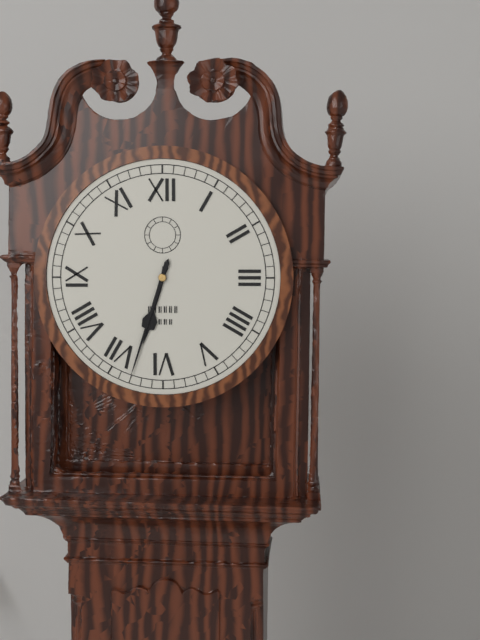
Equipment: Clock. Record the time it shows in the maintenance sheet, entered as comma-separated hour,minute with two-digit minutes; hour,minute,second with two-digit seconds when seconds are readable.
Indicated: 6,33
